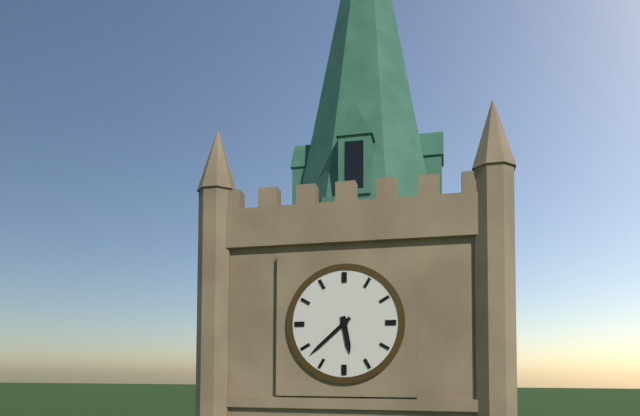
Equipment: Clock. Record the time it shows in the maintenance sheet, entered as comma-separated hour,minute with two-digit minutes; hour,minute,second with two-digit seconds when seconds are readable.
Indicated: 5,38
